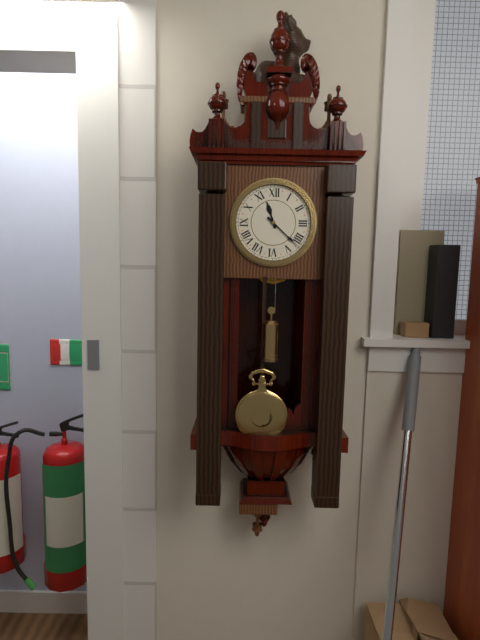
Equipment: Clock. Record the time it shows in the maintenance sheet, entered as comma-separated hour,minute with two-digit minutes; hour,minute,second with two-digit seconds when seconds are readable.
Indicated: 11,22
